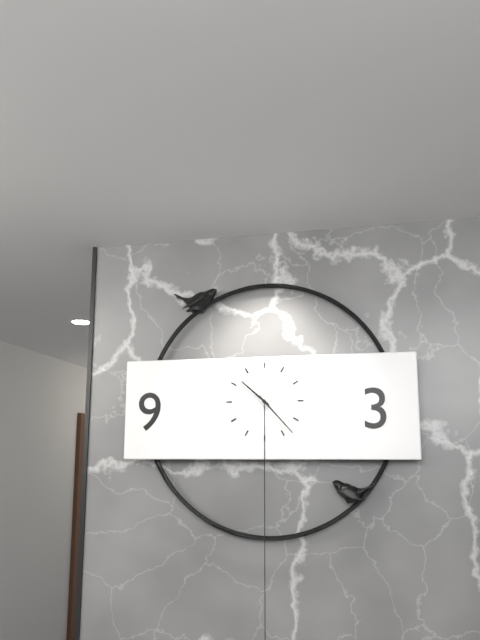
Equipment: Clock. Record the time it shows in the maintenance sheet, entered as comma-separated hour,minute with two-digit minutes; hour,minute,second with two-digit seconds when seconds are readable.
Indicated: 10,23
